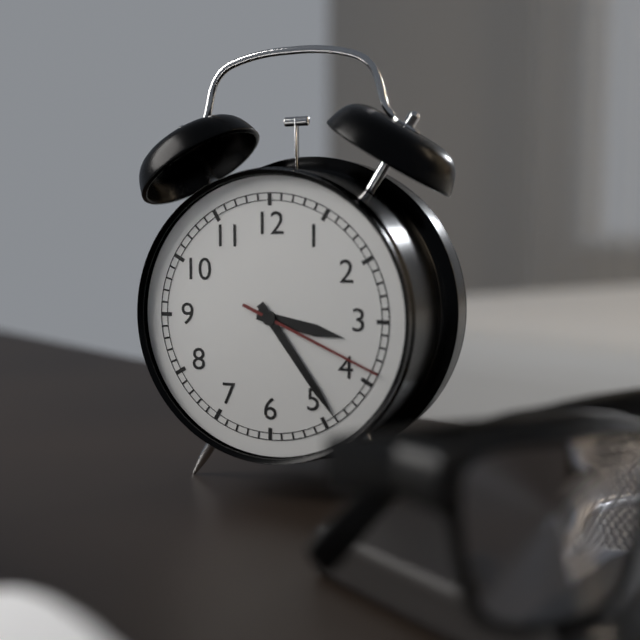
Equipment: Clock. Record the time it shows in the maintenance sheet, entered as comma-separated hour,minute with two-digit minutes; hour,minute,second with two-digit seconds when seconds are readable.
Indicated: 3,24,19
